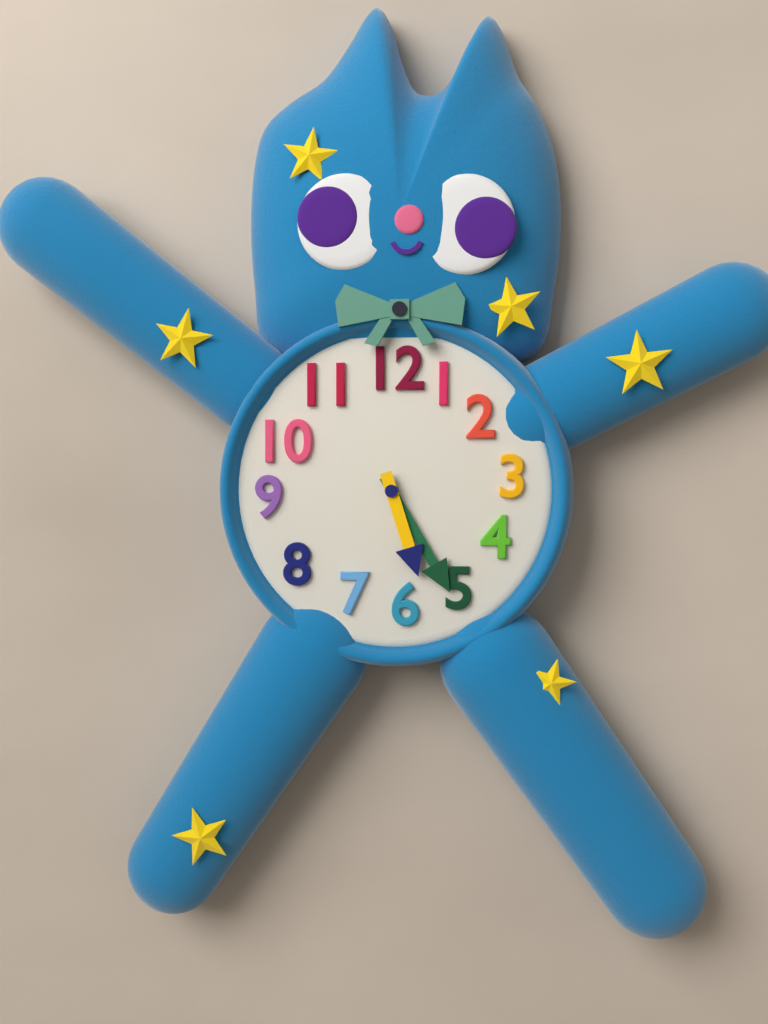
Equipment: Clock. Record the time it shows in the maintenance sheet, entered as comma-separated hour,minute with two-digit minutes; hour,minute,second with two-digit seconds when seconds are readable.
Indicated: 5,25
